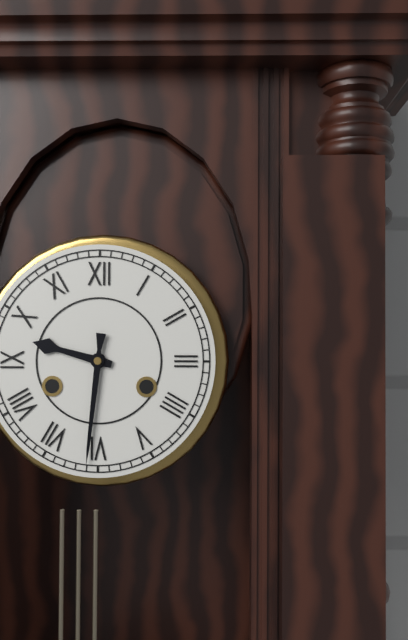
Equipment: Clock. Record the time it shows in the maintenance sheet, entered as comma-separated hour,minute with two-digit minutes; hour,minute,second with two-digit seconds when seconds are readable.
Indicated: 9,31
